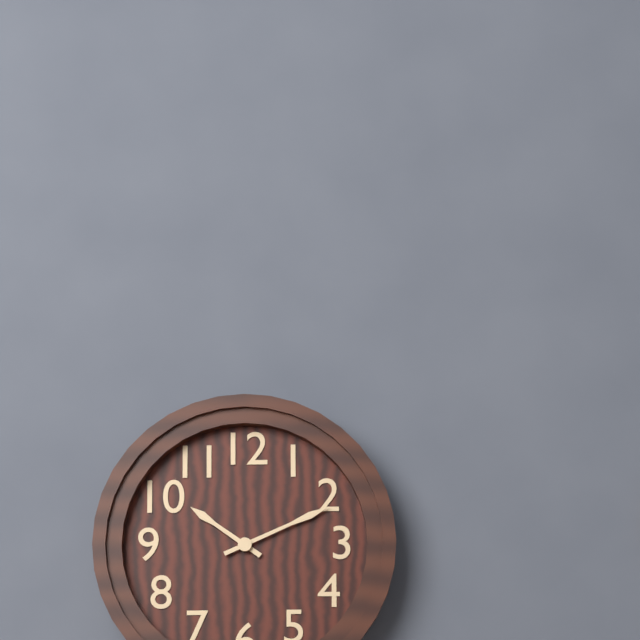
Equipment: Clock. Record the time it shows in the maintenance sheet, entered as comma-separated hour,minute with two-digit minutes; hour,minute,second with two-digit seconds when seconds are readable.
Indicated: 10,11
